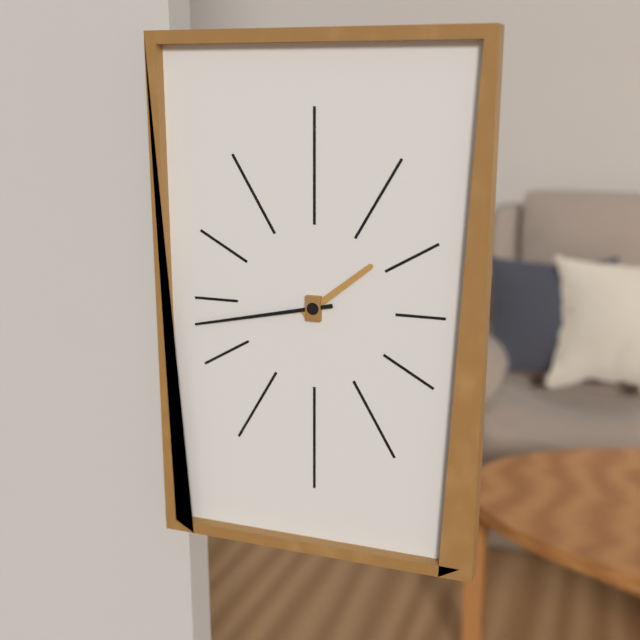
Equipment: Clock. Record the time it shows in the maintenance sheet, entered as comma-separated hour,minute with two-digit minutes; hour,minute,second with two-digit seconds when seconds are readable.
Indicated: 1,43
